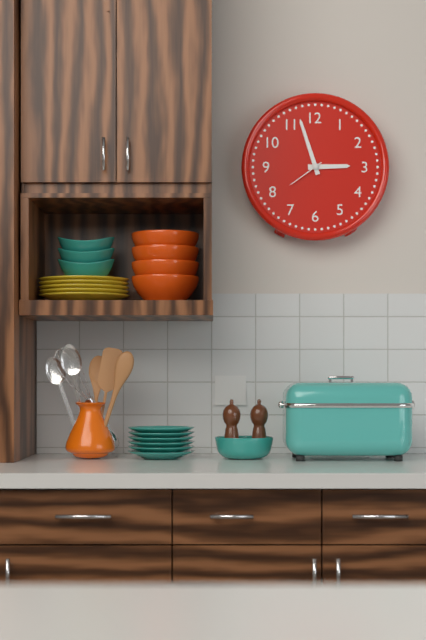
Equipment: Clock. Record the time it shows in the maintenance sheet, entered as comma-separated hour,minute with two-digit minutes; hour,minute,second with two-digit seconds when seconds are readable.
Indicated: 2,57
